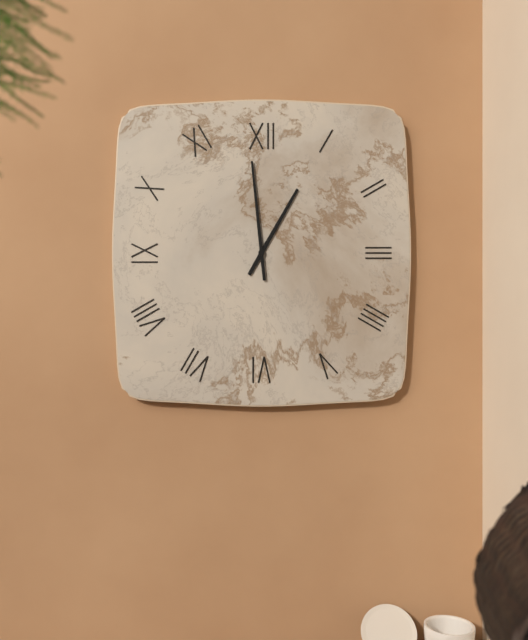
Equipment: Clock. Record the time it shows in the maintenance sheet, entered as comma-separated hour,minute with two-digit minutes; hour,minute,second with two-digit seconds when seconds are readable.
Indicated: 12,59
